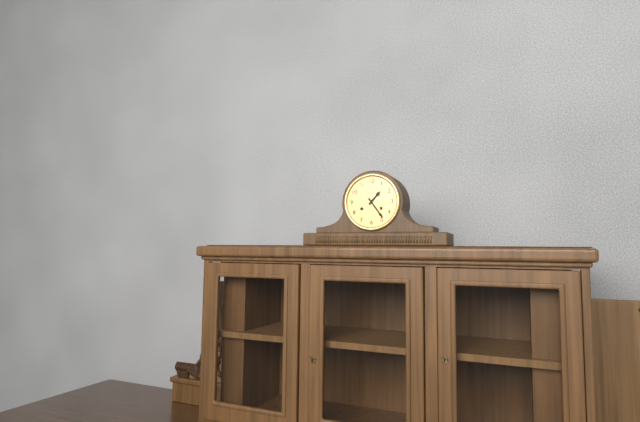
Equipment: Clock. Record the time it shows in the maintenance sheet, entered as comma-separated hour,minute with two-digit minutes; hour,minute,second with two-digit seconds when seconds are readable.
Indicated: 1,24
